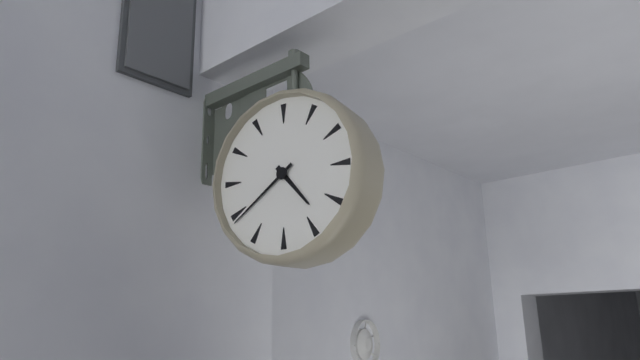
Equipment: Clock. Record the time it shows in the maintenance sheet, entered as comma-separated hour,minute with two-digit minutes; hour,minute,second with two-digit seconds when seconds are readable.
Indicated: 4,39
